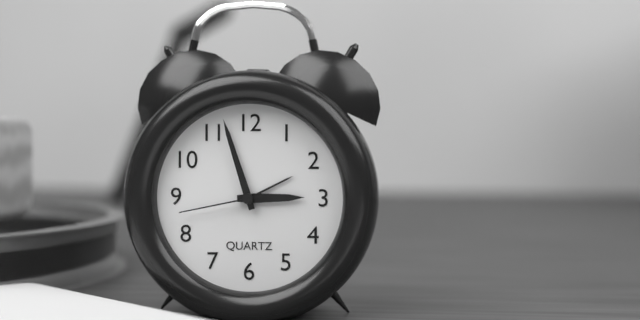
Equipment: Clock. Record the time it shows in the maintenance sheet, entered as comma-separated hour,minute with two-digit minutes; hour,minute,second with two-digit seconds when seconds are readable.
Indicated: 2,57,43
